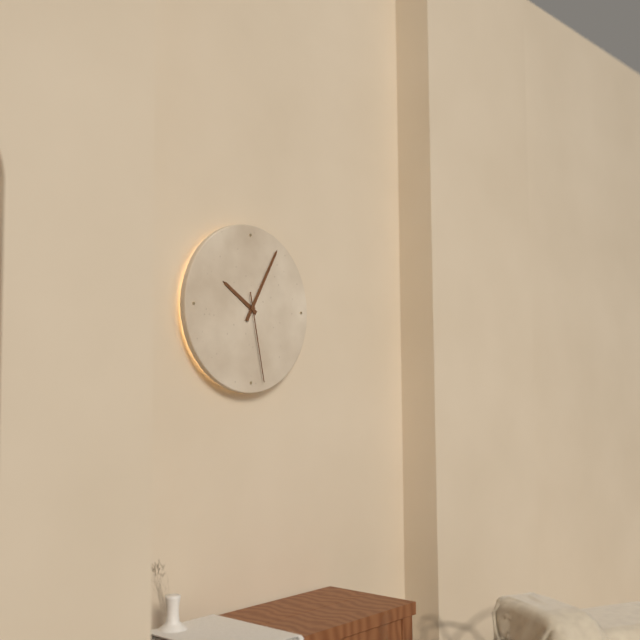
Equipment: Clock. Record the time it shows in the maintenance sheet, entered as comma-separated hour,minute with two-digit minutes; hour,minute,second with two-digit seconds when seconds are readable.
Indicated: 10,05,28
